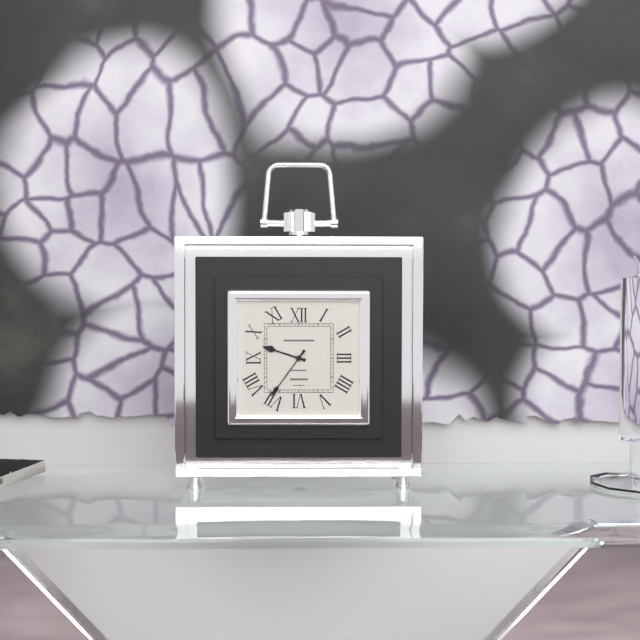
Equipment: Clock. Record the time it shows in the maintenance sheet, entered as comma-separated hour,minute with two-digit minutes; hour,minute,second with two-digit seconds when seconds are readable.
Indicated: 9,36
